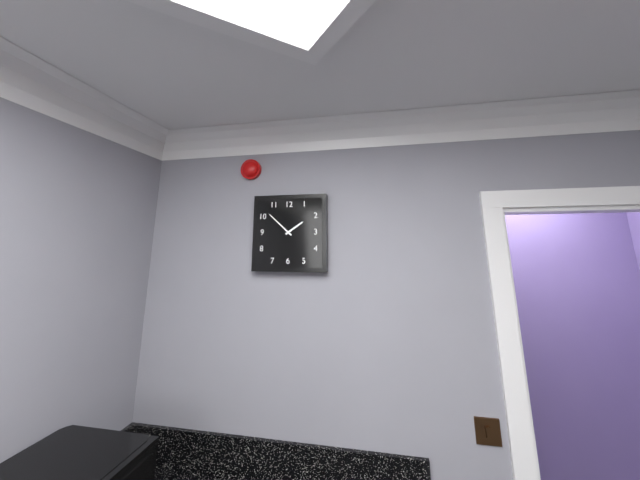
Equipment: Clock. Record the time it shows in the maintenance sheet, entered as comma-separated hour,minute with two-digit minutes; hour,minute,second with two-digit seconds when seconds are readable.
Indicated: 1,52
